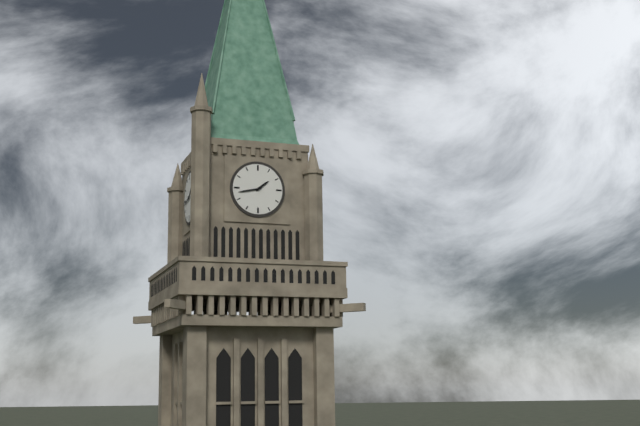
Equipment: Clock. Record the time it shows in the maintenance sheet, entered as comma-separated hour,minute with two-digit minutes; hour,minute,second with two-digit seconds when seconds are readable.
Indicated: 1,43
